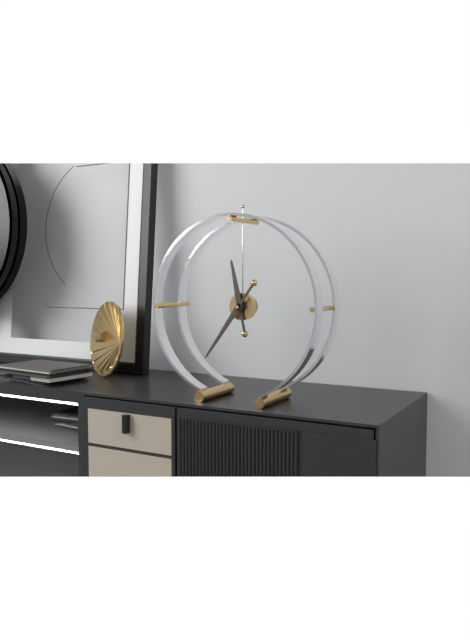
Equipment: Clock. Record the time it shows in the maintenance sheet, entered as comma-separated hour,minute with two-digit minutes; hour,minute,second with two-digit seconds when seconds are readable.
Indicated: 11,36
